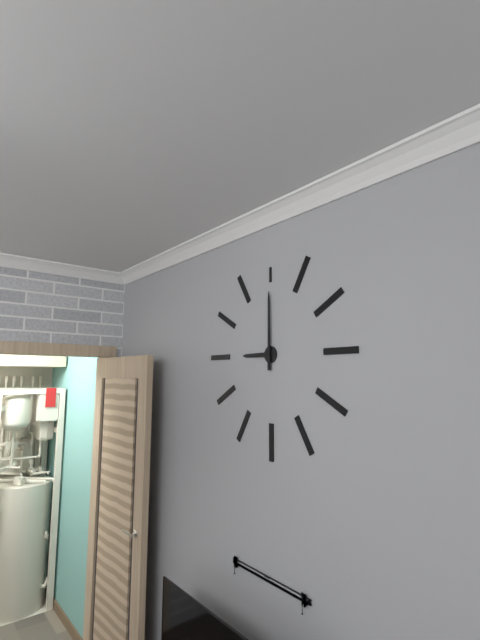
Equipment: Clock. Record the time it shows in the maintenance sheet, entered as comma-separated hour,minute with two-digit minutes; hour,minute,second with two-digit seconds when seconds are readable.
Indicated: 9,00
